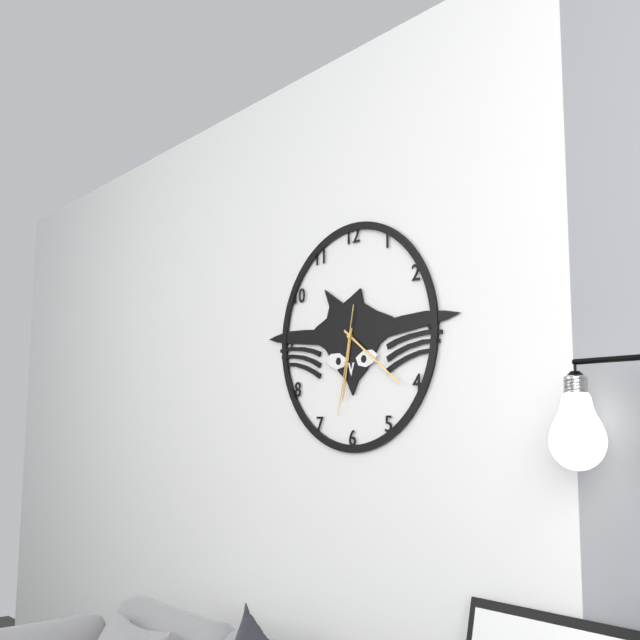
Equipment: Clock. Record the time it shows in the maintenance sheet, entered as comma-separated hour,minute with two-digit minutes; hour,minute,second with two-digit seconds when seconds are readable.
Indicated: 6,21,32
